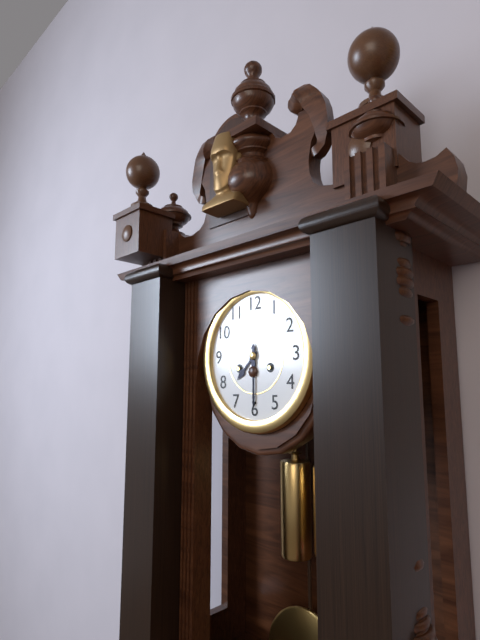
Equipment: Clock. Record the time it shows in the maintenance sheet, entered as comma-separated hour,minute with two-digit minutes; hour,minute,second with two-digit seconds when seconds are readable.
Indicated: 7,30
